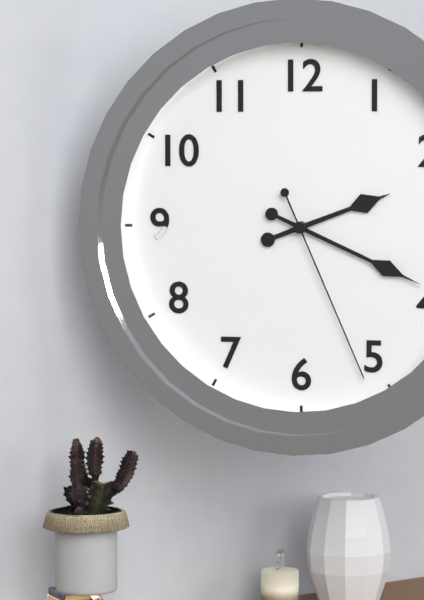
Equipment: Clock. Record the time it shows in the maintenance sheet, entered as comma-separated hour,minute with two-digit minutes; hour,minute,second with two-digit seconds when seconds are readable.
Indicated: 2,19,26
